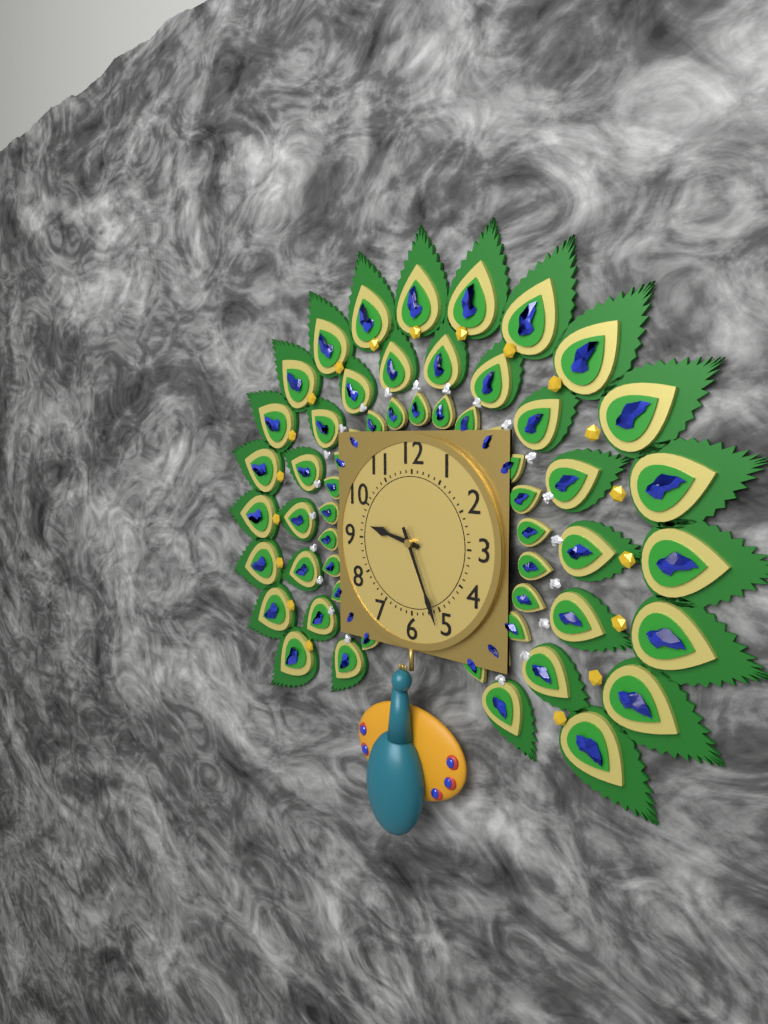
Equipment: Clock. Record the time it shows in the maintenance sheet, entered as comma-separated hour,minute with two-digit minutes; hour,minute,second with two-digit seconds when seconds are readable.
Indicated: 9,26
